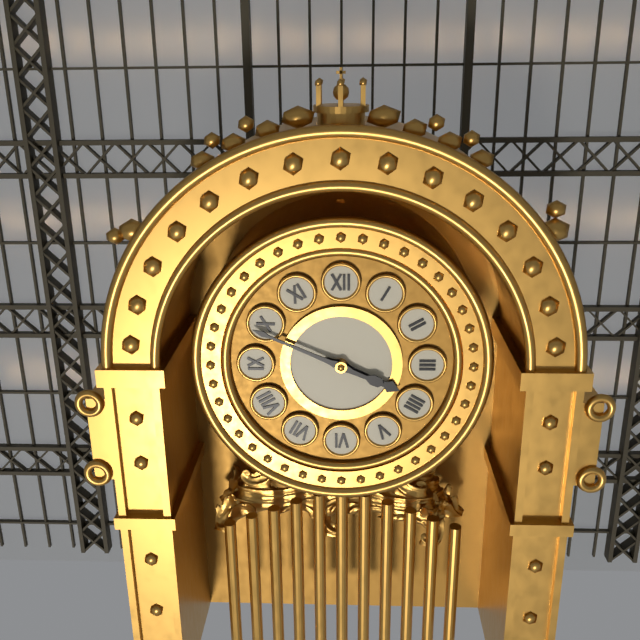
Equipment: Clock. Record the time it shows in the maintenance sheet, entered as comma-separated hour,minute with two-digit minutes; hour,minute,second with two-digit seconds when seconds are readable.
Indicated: 3,49
